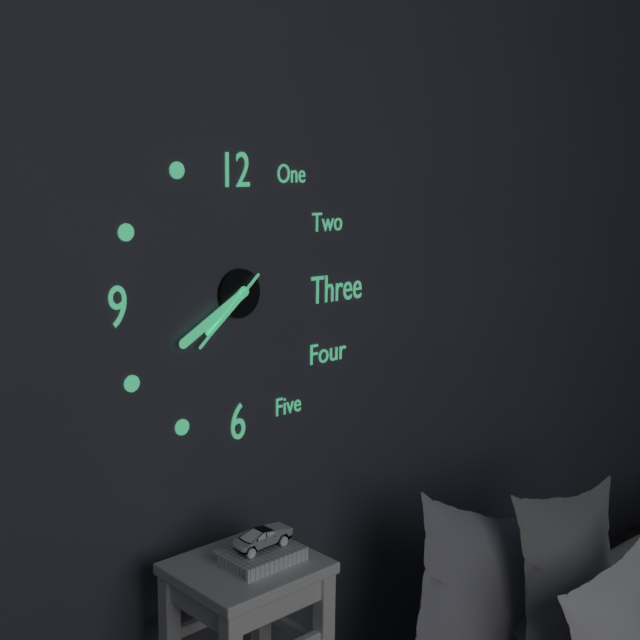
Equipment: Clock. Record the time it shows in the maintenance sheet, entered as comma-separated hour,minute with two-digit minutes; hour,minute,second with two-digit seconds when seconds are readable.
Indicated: 7,40,38
